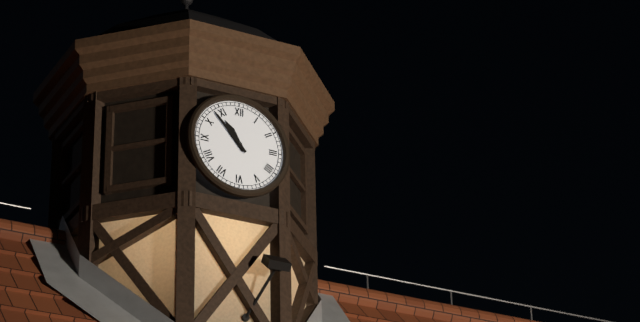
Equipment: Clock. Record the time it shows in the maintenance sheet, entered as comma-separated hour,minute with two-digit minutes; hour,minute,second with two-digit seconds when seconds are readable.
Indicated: 10,53
